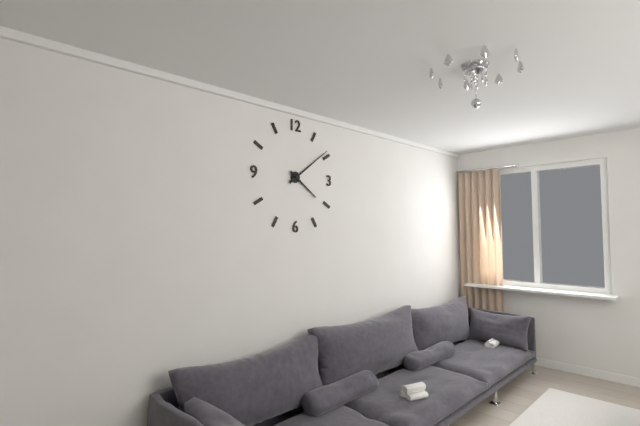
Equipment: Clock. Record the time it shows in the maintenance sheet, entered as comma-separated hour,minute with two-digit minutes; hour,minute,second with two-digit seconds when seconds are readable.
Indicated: 4,09
